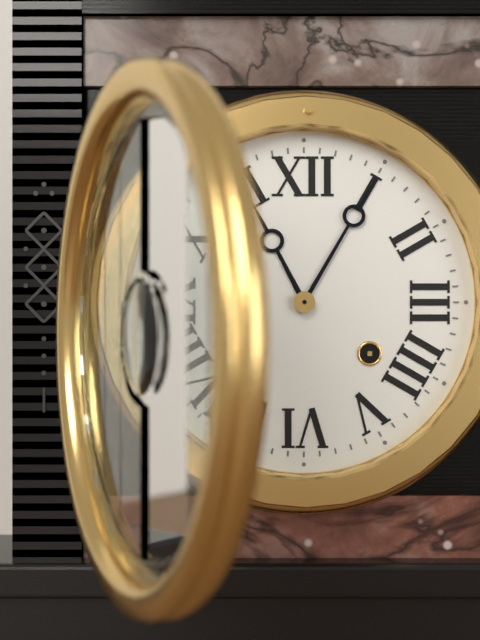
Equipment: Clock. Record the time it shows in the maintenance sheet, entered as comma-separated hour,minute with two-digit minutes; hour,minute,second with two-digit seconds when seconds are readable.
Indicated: 11,05
